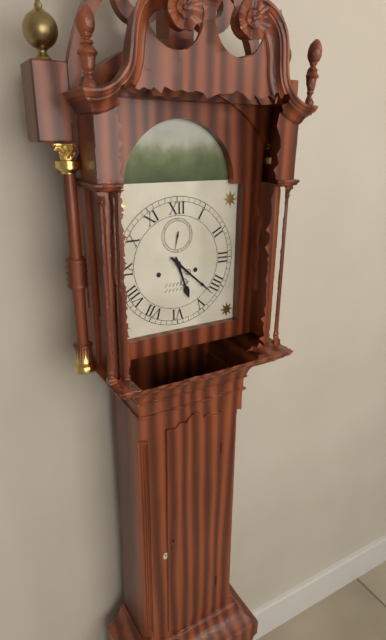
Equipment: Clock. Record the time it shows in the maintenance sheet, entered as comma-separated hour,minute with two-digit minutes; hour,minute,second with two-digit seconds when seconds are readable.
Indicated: 5,22
